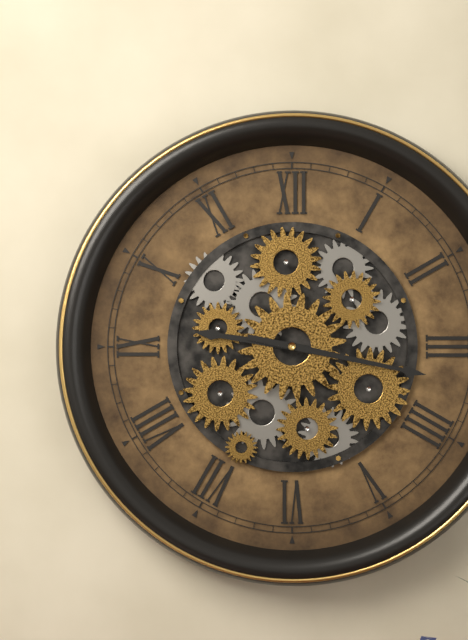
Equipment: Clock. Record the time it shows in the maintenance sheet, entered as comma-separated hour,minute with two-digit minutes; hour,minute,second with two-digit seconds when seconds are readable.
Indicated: 9,17
